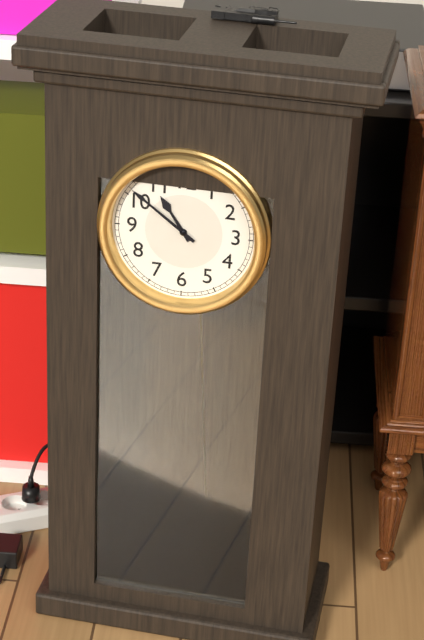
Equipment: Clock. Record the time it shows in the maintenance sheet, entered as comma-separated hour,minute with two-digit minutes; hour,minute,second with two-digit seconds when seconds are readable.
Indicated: 10,51
